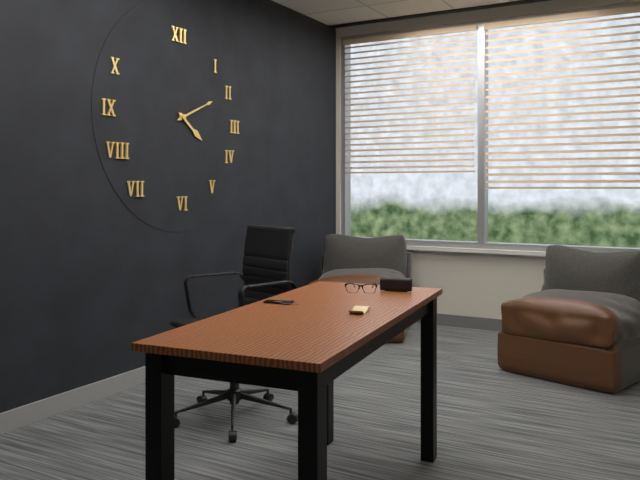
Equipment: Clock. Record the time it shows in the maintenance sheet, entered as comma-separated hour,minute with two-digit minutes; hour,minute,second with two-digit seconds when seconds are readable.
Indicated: 4,11
